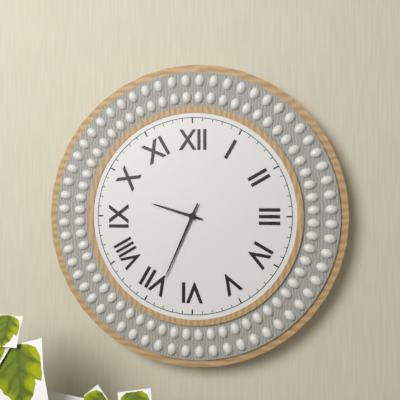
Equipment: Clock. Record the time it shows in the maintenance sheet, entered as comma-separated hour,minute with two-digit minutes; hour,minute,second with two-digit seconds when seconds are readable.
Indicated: 9,34
